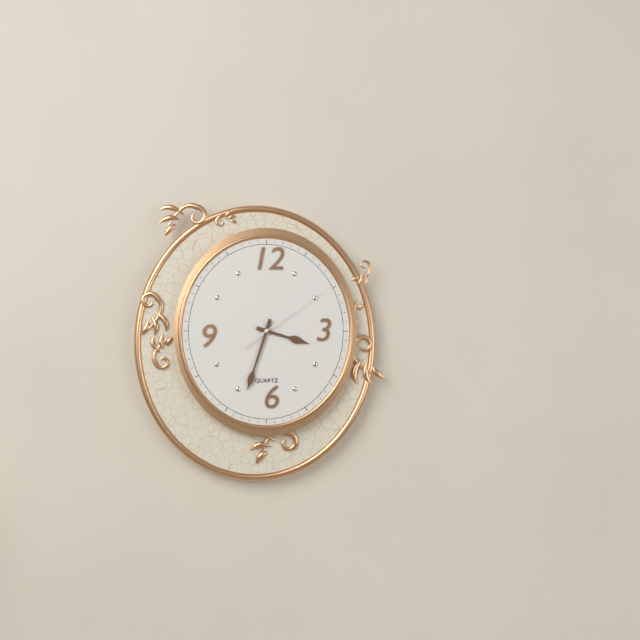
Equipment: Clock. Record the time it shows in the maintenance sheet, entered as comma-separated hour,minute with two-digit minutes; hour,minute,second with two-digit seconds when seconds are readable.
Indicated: 3,33,09
